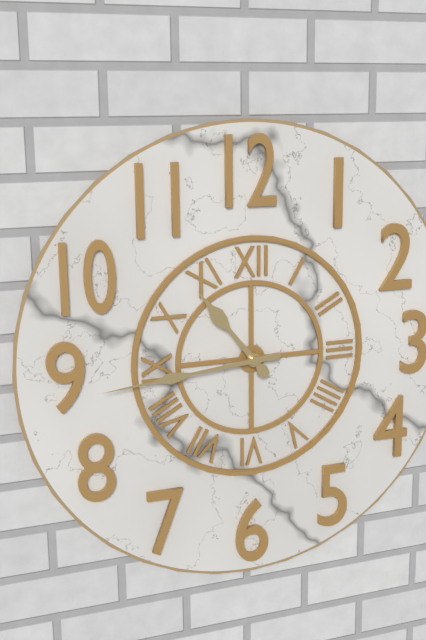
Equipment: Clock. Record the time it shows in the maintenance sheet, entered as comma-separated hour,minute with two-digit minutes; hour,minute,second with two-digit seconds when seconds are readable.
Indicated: 10,44
